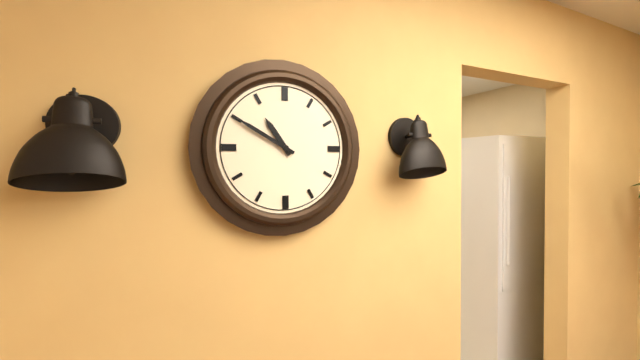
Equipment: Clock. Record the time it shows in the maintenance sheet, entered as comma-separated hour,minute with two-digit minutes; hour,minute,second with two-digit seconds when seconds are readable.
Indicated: 10,50
